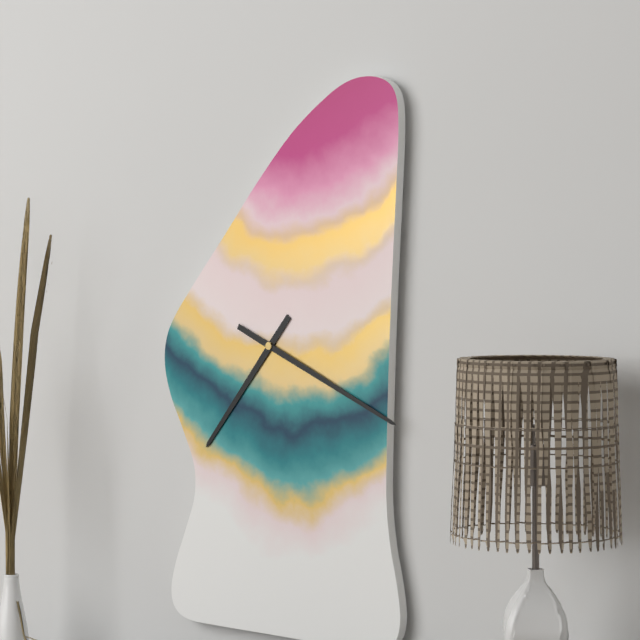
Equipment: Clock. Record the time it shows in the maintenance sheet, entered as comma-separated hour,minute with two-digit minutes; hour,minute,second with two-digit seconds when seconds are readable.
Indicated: 7,19
